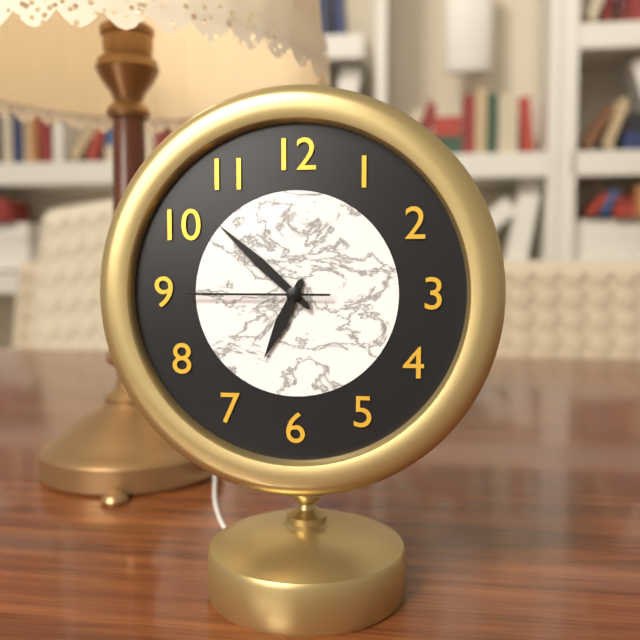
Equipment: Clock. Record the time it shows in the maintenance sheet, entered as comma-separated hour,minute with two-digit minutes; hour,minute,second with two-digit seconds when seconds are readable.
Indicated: 6,52,45
